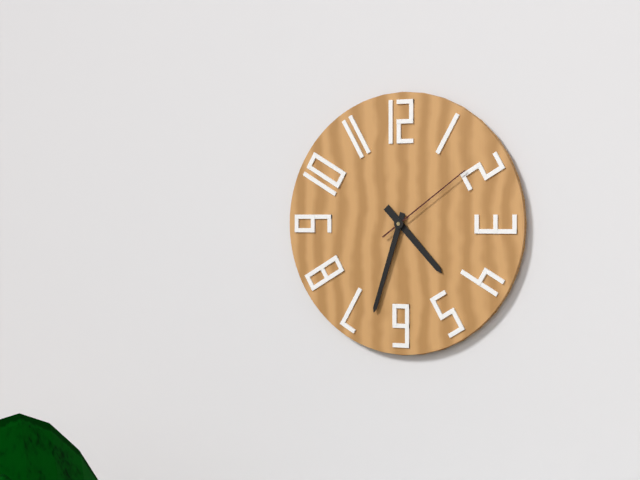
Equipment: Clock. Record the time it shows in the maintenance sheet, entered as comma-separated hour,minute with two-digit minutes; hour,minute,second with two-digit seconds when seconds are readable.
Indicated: 4,33,09
